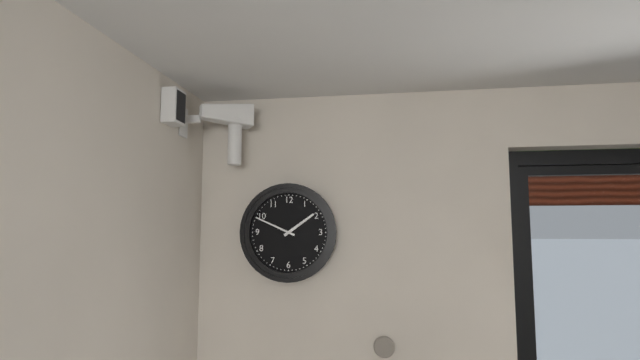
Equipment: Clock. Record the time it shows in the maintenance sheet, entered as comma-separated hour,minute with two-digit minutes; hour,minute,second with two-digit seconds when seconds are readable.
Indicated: 1,49
